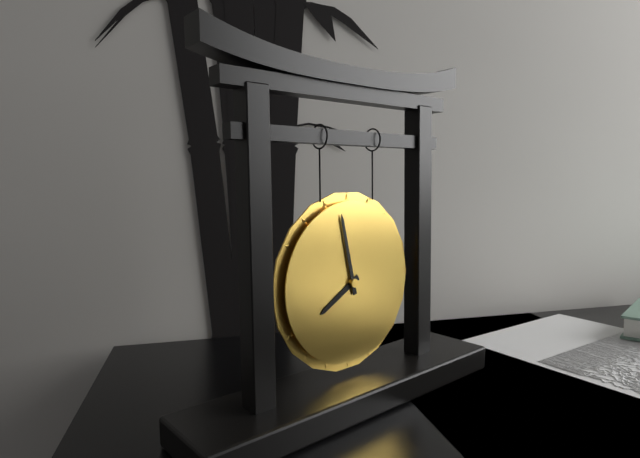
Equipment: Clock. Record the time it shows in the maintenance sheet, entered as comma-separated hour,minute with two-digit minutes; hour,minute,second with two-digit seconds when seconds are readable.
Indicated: 7,58
